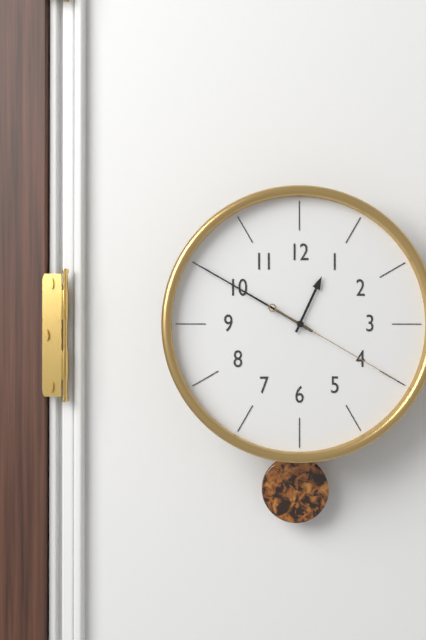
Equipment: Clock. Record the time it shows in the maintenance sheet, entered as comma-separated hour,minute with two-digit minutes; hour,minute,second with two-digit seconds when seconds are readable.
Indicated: 12,50,20
